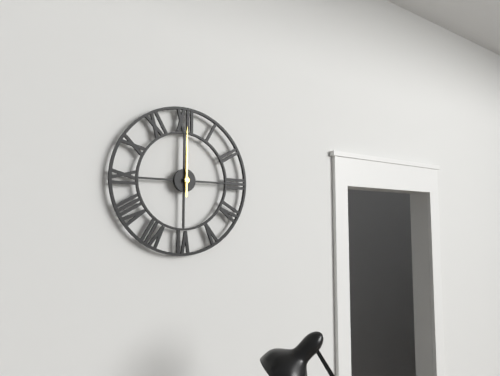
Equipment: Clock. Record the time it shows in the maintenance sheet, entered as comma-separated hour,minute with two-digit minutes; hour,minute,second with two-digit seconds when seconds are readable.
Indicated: 12,00
